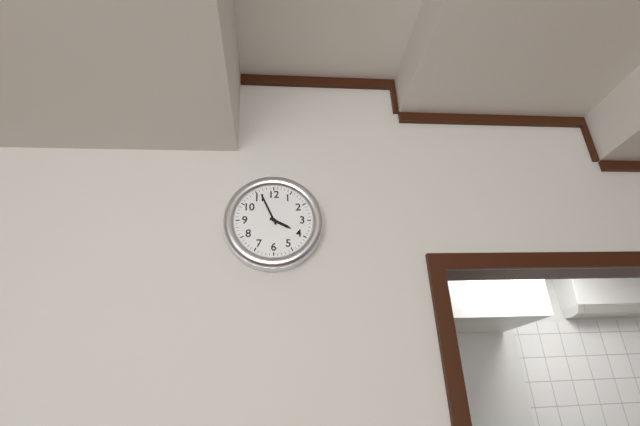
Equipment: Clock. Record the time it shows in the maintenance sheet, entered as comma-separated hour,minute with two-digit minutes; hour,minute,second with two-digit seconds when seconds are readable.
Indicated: 3,56
